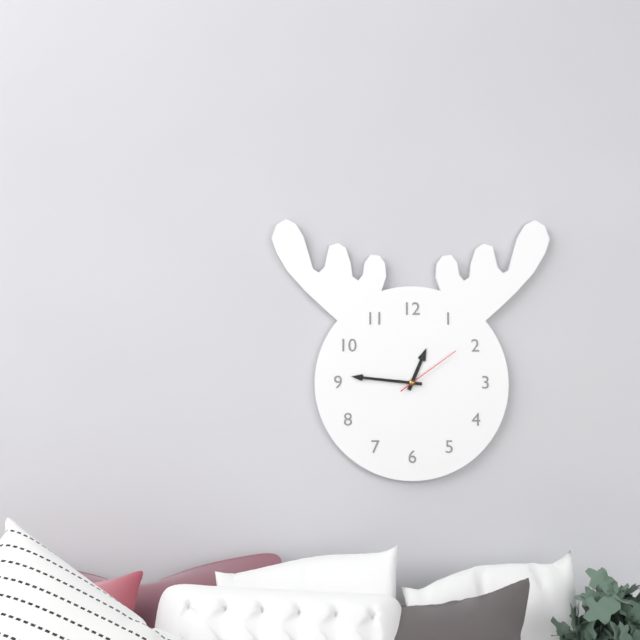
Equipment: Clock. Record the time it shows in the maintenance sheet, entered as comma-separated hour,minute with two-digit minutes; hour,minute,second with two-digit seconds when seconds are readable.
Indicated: 12,46,09
